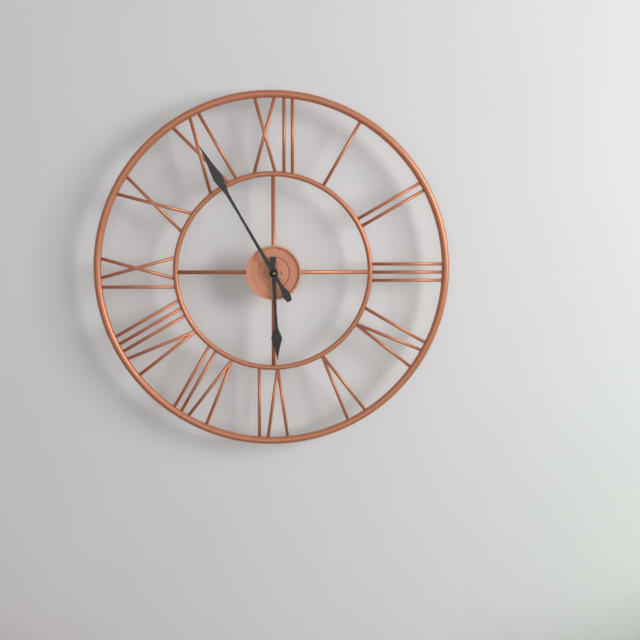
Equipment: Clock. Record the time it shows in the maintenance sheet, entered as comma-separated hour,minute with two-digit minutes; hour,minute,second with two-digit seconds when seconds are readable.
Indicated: 5,55
